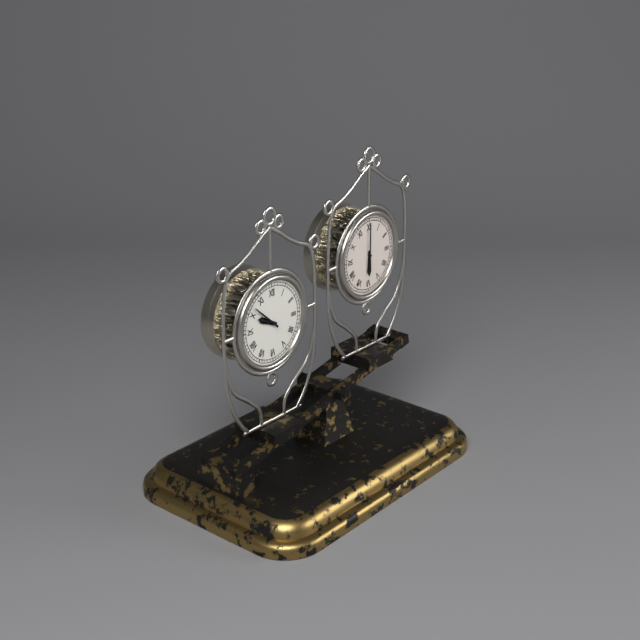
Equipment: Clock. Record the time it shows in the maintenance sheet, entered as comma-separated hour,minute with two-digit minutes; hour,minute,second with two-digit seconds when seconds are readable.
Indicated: 9,52
